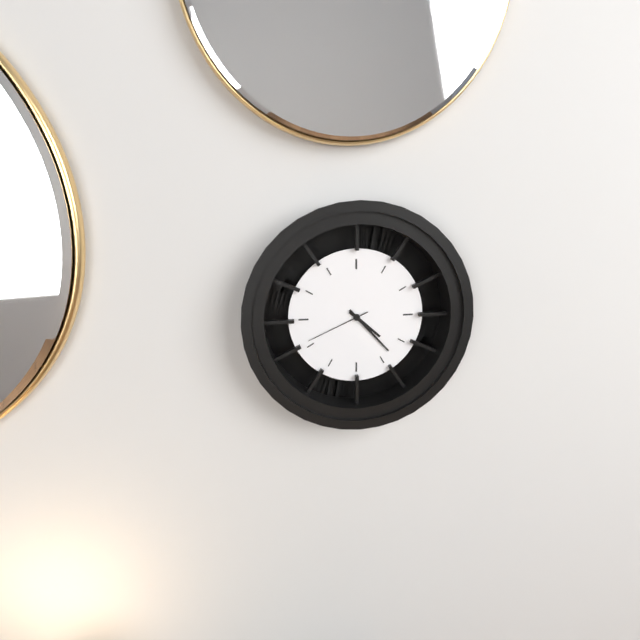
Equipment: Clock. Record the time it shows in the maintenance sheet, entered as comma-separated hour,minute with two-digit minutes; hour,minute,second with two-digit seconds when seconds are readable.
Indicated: 4,23,41
